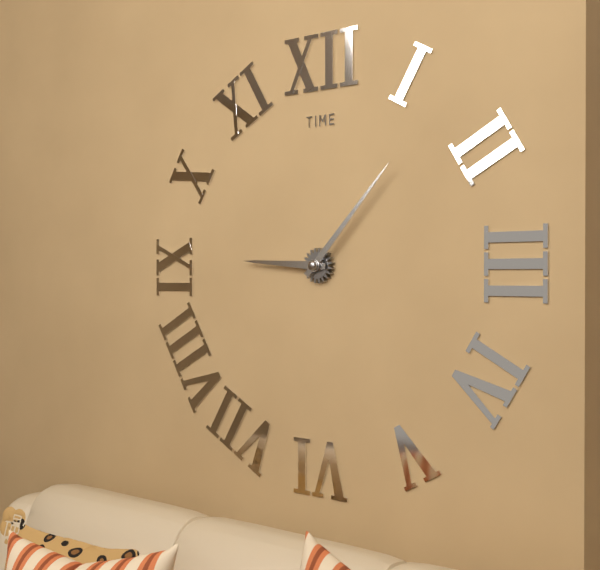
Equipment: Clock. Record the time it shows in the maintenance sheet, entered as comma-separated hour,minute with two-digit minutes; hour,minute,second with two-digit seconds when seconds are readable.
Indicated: 9,07
